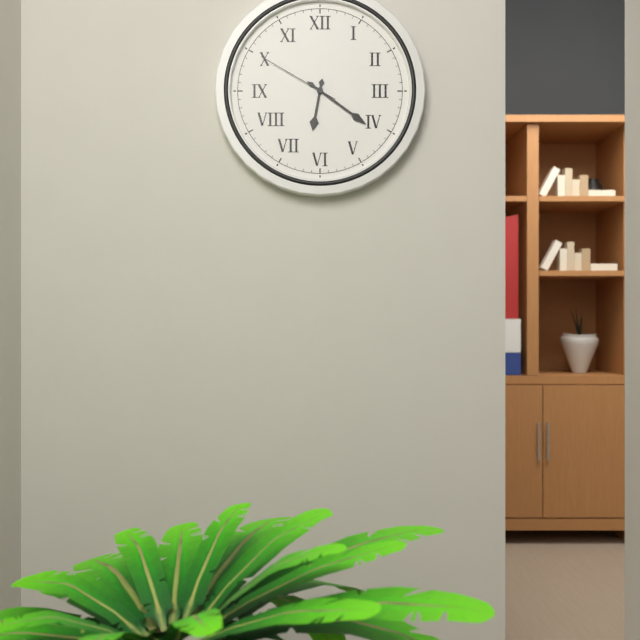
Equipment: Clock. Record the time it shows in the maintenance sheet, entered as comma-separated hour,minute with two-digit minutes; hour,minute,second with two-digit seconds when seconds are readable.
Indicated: 6,21,50
